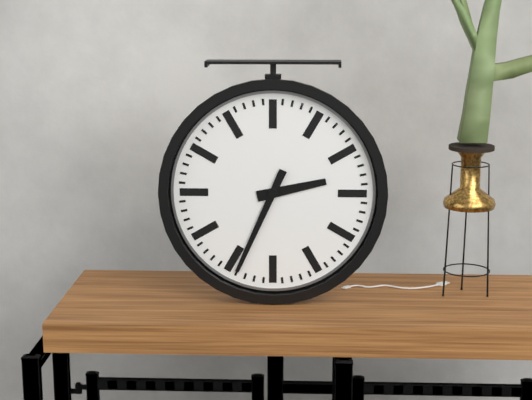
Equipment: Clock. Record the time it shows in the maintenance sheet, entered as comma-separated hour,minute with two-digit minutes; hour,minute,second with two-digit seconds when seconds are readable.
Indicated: 2,34
